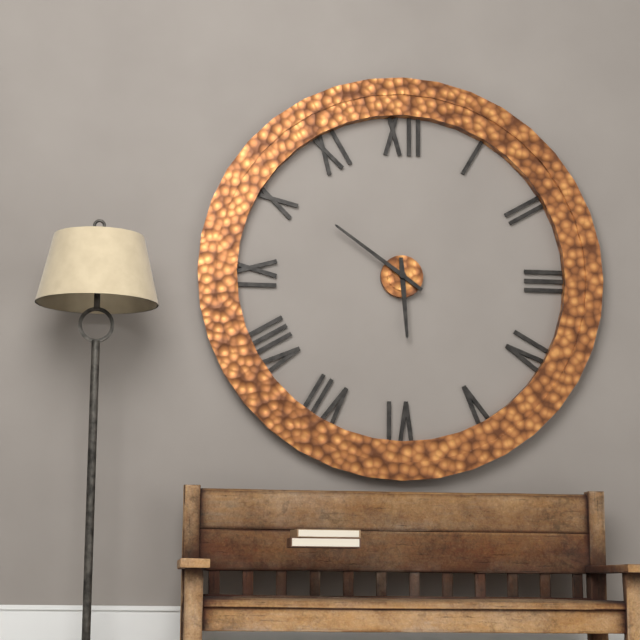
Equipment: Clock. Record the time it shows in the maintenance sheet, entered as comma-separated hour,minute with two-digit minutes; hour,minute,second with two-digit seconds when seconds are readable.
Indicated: 5,51
